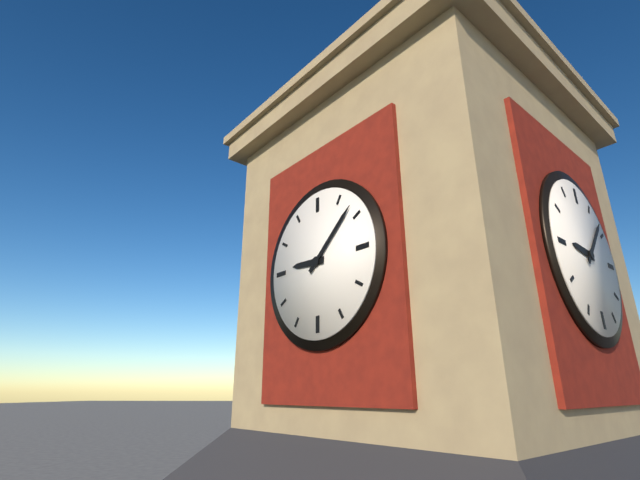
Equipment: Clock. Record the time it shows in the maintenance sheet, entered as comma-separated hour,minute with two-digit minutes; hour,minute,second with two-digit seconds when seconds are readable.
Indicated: 9,08
